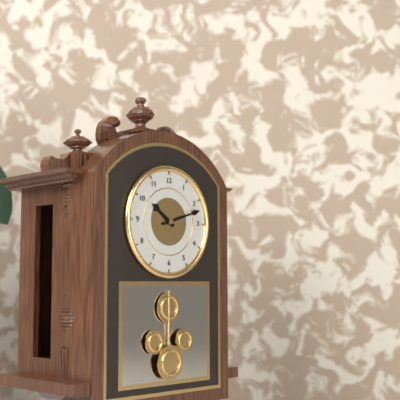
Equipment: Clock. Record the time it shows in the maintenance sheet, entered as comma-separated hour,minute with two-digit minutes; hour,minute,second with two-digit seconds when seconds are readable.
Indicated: 10,12
